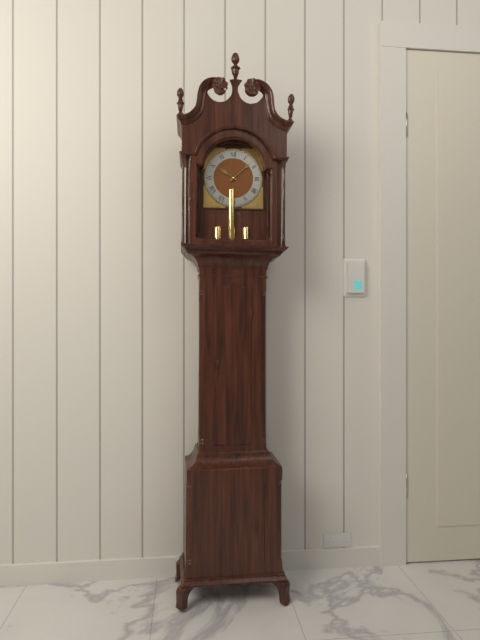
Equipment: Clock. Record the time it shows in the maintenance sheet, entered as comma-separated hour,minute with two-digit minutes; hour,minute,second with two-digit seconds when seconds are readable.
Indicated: 10,08
